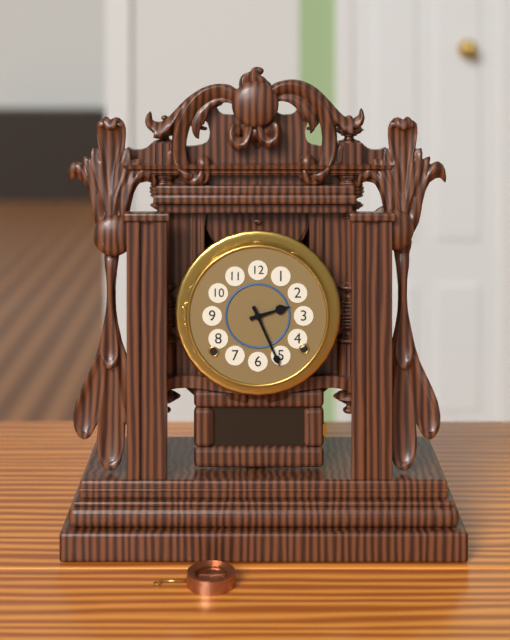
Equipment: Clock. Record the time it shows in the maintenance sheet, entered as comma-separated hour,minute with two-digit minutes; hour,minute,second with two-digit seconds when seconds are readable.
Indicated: 2,26
